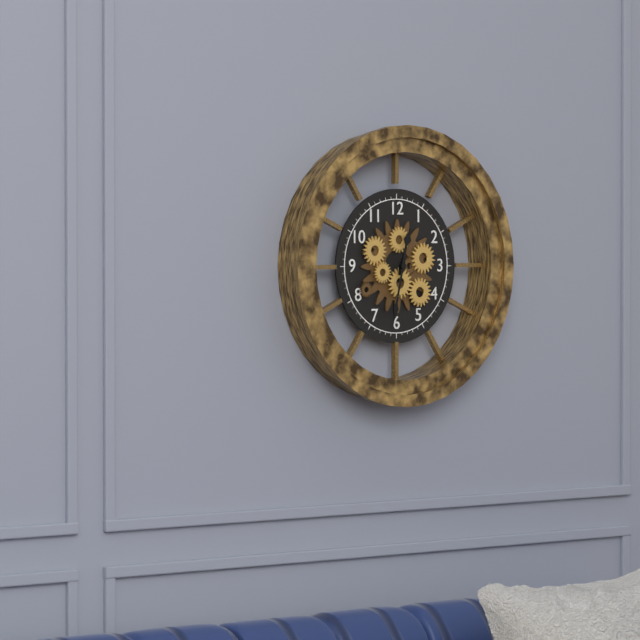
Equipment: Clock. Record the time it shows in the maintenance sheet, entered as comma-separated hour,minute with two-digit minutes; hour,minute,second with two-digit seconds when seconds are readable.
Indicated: 12,32
